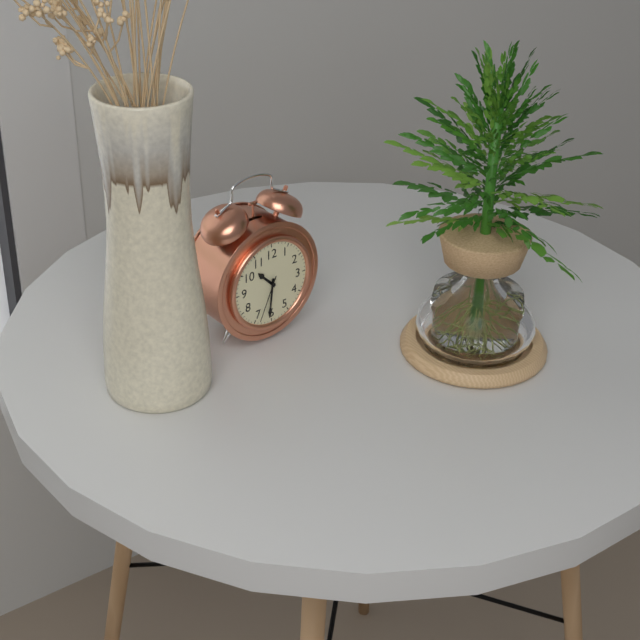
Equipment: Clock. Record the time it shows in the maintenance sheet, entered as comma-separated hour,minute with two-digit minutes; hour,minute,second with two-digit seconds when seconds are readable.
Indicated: 10,31,34
